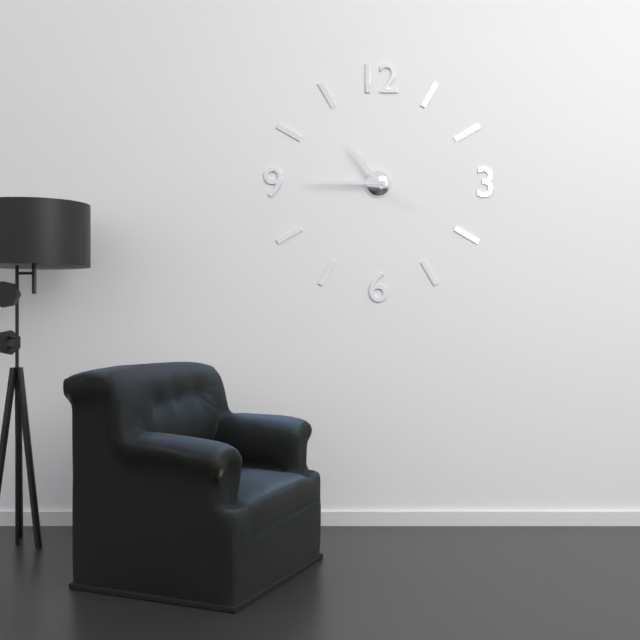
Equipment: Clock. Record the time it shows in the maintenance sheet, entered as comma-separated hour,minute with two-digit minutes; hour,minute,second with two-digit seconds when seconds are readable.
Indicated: 10,45,20
